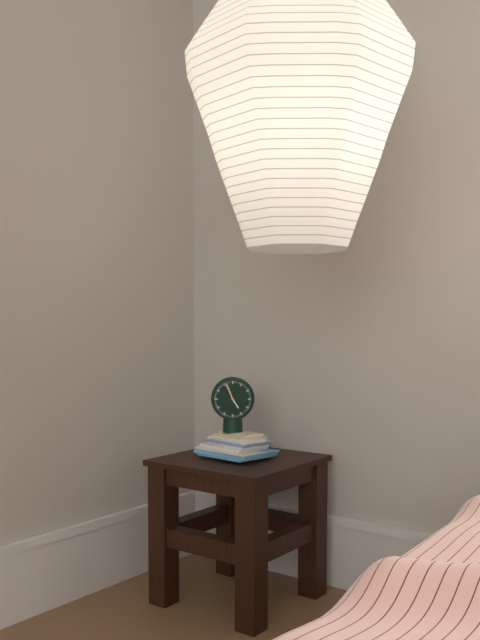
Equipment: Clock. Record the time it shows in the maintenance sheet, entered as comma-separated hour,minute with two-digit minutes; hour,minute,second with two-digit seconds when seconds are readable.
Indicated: 4,56
